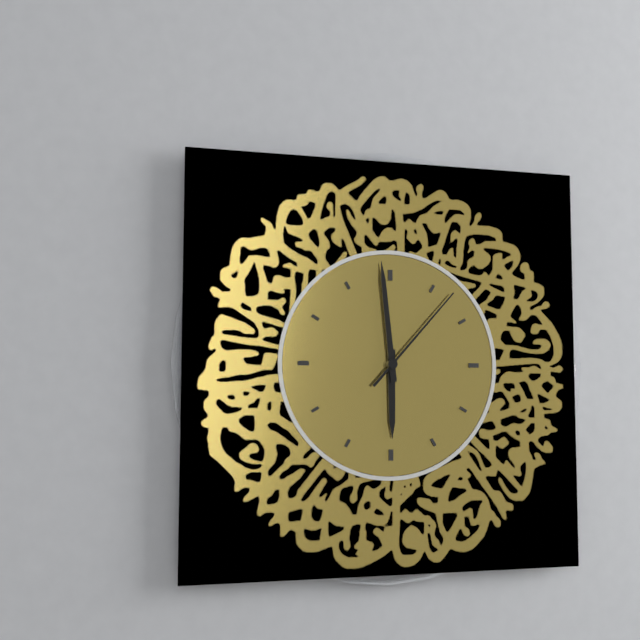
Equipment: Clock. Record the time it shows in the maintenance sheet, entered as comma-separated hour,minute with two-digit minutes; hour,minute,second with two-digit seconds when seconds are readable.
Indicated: 5,59,07
